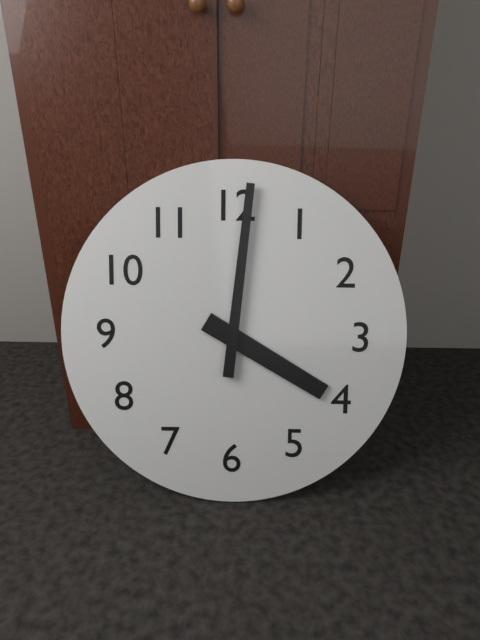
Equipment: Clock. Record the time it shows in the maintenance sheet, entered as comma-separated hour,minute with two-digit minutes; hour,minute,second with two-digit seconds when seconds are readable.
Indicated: 4,01
